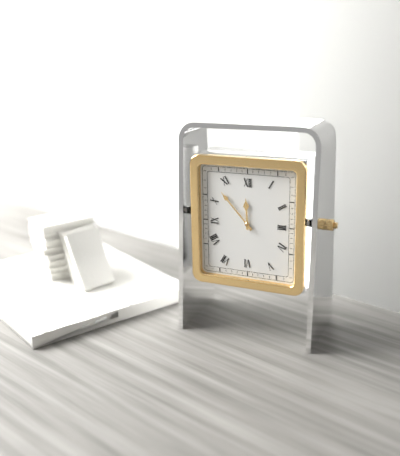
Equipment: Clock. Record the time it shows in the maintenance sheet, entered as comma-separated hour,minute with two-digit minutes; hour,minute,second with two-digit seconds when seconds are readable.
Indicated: 11,53
